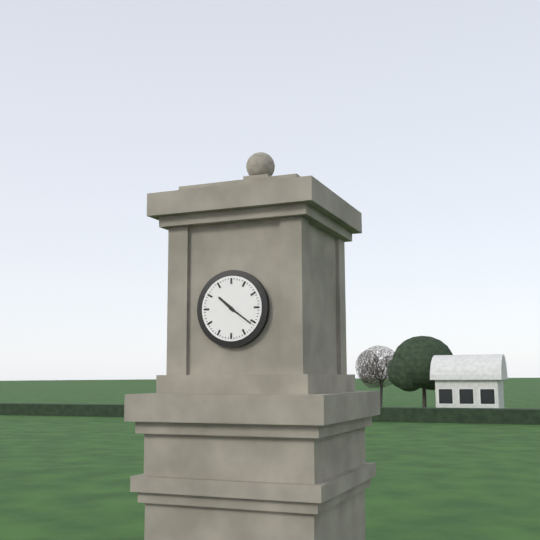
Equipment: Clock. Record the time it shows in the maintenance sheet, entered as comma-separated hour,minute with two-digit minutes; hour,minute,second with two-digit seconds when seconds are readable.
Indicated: 10,21
